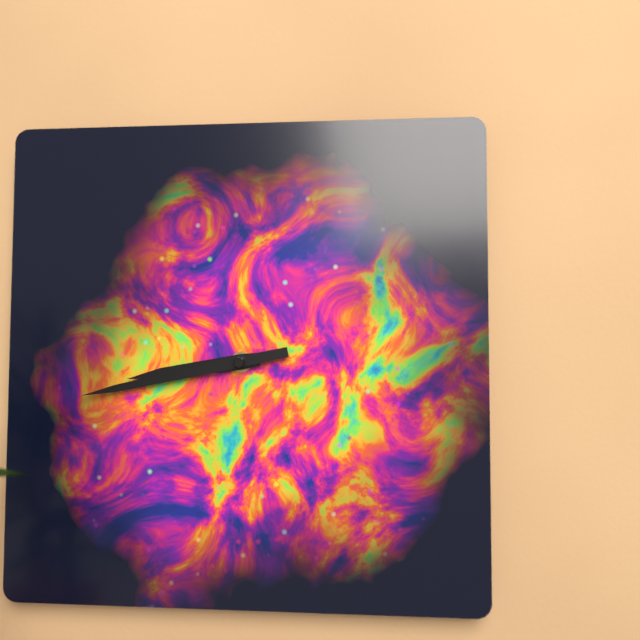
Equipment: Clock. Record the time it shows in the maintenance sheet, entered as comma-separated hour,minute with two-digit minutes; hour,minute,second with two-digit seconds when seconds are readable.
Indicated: 8,43
